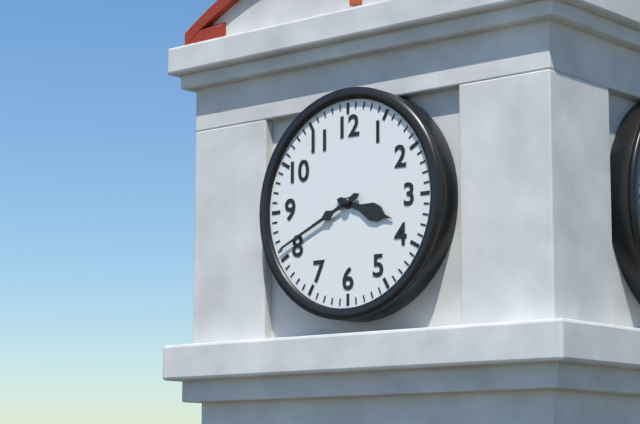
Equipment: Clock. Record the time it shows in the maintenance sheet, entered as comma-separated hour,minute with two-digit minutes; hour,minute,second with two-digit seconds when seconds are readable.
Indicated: 3,41
